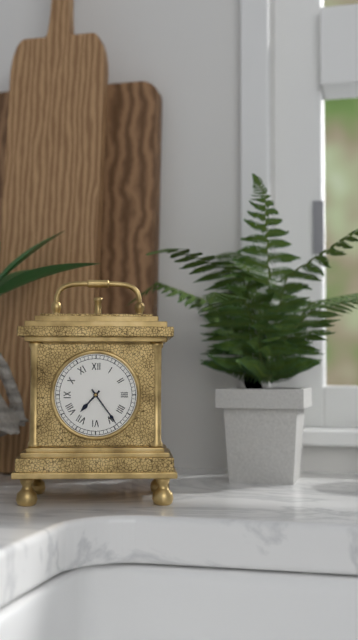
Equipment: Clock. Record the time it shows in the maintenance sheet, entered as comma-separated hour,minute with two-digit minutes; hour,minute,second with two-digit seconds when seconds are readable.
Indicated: 7,24
